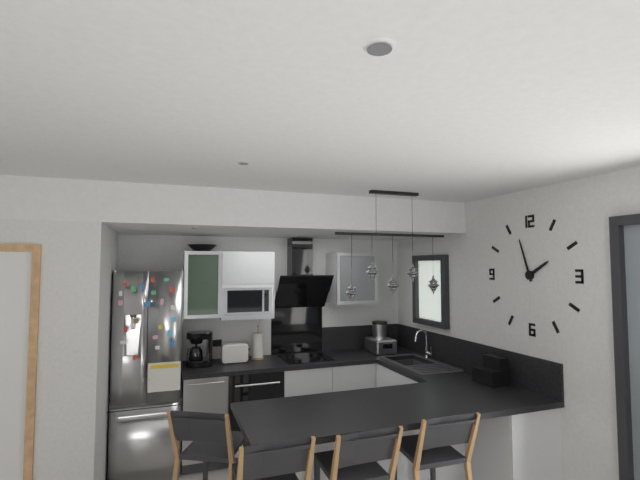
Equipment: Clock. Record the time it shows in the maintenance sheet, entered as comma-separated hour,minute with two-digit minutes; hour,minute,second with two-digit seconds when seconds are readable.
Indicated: 1,57
